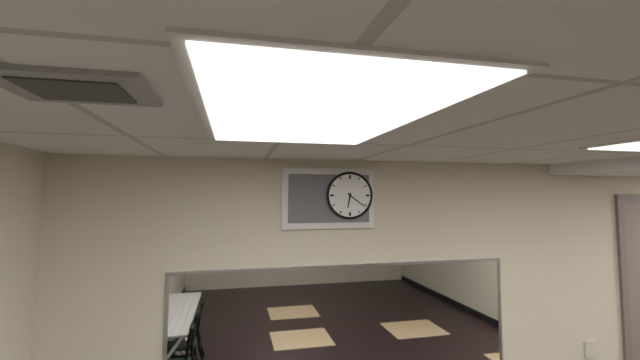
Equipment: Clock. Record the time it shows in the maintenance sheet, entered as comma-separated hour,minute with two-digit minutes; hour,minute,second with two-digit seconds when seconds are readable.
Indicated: 6,21
